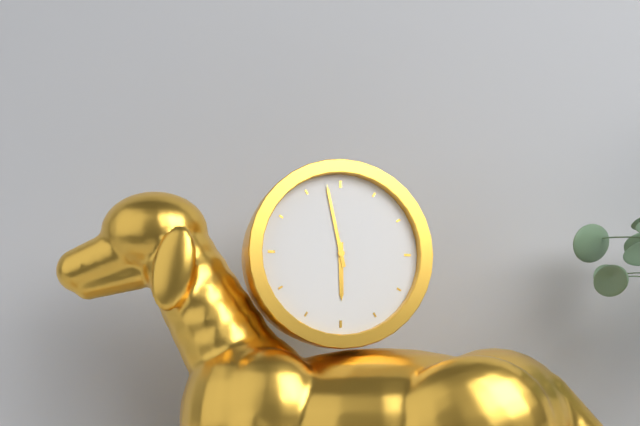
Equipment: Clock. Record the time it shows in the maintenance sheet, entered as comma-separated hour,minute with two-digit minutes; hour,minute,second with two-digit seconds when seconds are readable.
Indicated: 5,58
